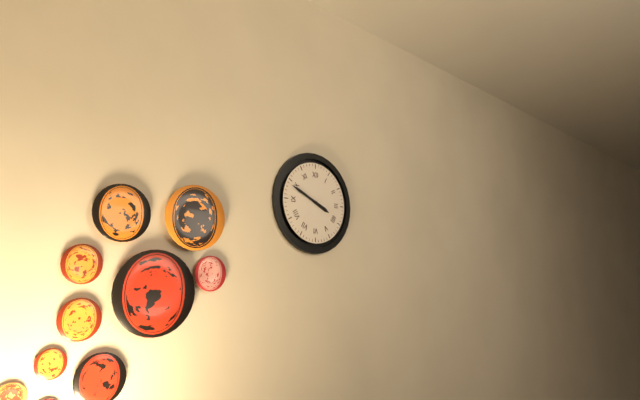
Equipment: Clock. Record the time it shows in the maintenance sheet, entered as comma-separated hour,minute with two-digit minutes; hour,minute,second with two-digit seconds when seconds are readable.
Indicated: 3,49
